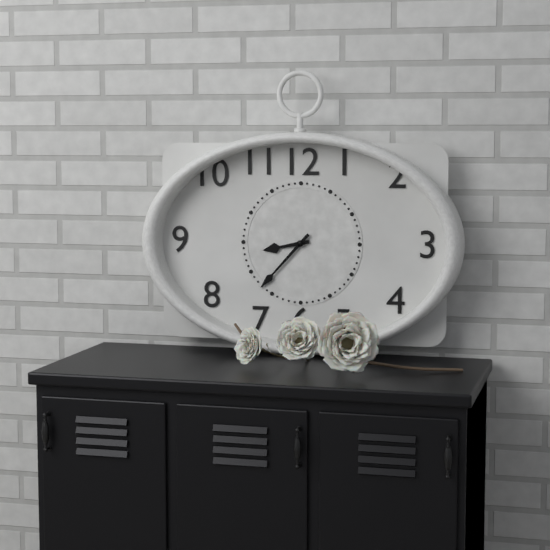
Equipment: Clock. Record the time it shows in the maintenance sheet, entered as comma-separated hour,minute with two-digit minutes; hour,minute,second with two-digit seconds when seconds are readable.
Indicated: 8,37
